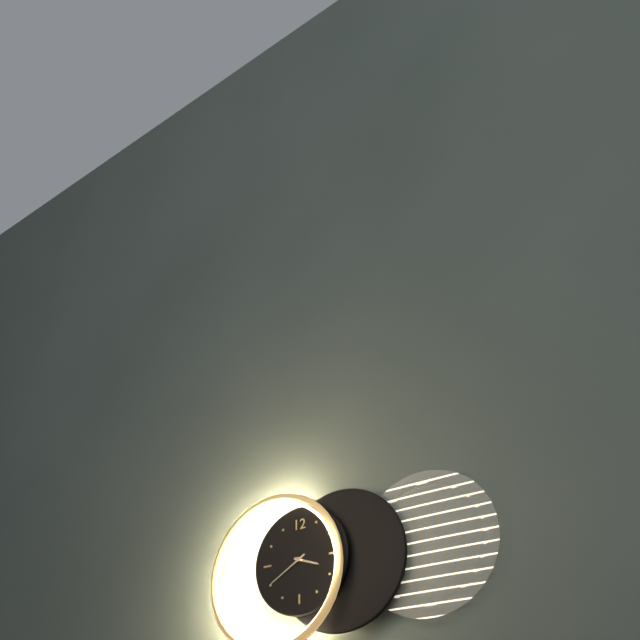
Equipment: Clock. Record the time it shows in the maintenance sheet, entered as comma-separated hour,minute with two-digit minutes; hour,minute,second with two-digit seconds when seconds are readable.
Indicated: 3,40
